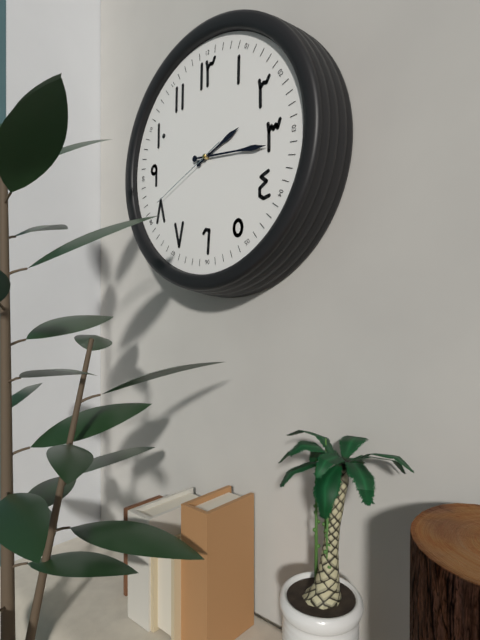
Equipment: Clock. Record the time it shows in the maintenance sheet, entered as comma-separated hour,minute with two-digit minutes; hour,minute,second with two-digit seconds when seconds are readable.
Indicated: 2,16,41
